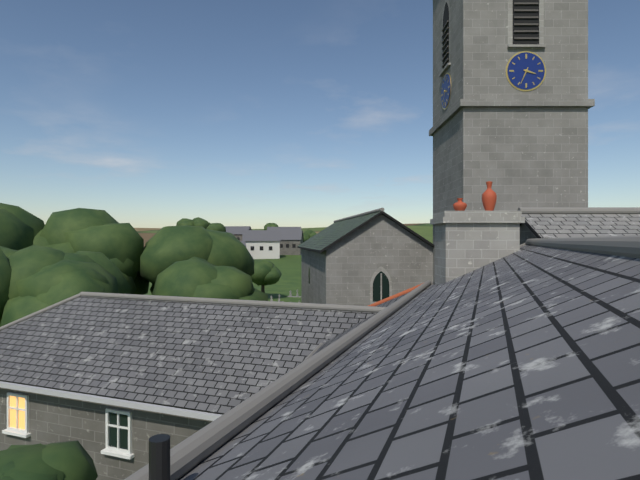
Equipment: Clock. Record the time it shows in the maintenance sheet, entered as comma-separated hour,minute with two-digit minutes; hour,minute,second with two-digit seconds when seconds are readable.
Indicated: 3,34
